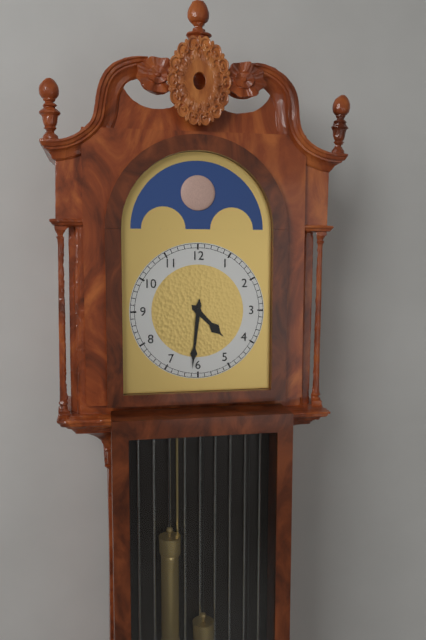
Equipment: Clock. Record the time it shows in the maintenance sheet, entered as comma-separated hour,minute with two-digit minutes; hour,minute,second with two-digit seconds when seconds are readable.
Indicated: 4,31
